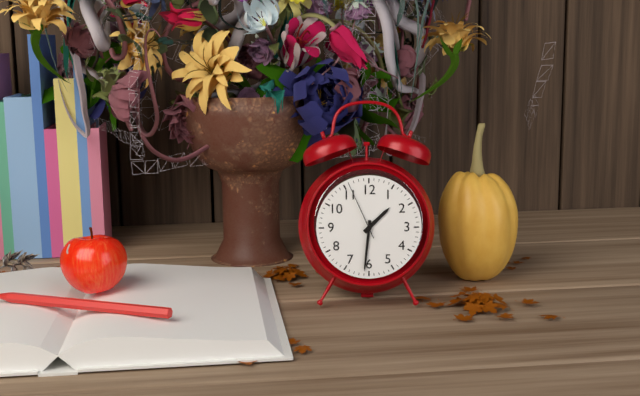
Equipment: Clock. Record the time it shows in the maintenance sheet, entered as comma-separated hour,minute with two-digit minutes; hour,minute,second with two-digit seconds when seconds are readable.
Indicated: 1,31,56
